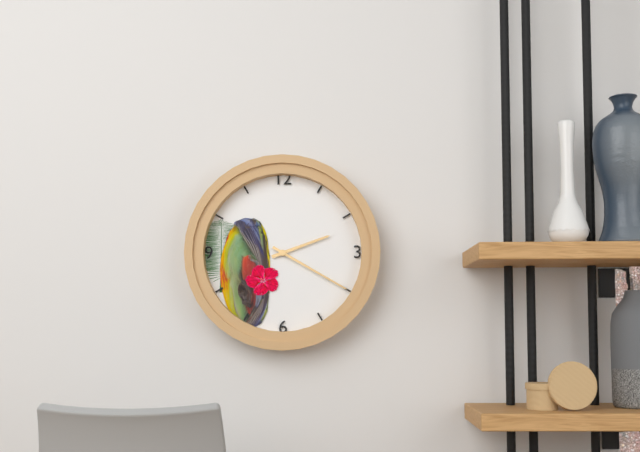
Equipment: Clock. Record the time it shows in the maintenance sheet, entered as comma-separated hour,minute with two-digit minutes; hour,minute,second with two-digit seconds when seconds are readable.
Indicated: 2,20
